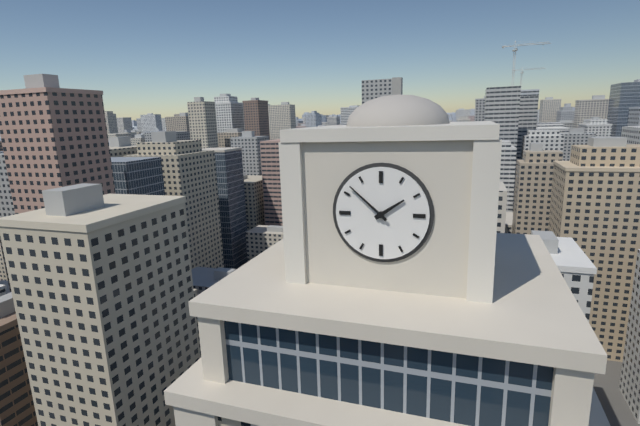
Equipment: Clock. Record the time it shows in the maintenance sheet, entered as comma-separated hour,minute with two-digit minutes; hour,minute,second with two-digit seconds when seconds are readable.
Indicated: 1,52
